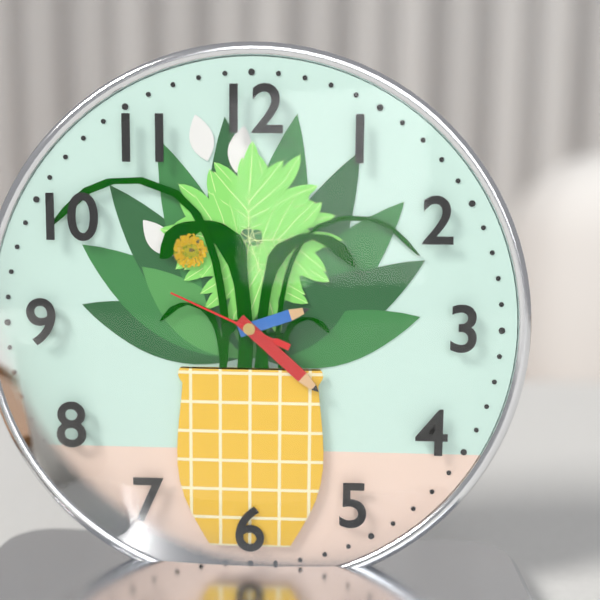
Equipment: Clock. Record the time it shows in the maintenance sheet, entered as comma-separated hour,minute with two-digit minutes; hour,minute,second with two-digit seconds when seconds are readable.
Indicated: 2,22,49
